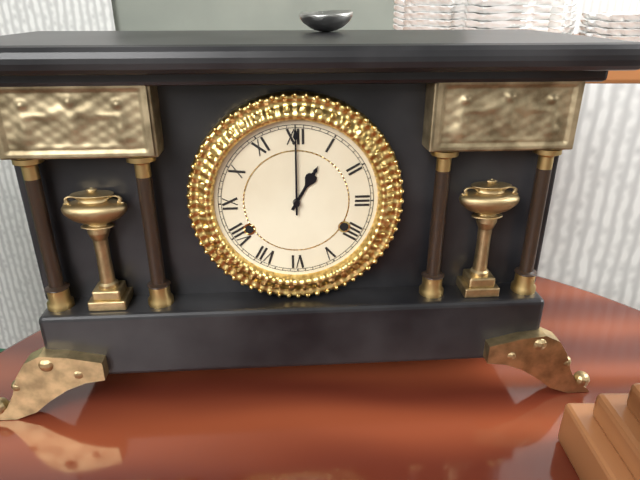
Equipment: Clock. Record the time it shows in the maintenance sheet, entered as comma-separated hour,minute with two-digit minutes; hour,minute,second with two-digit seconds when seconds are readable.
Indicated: 1,00
